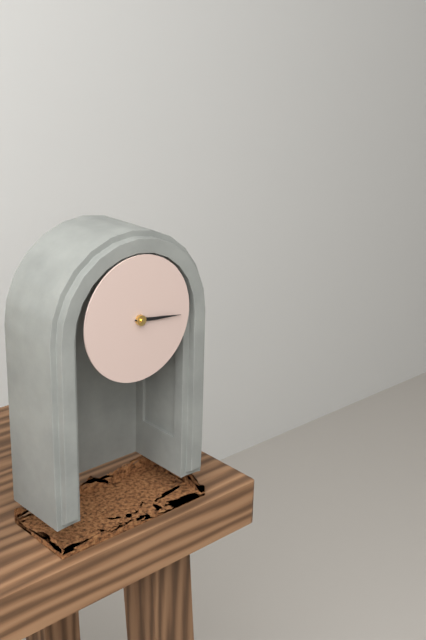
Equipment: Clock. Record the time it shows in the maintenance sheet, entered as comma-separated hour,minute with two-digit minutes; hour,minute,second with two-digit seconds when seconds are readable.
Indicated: 3,16
